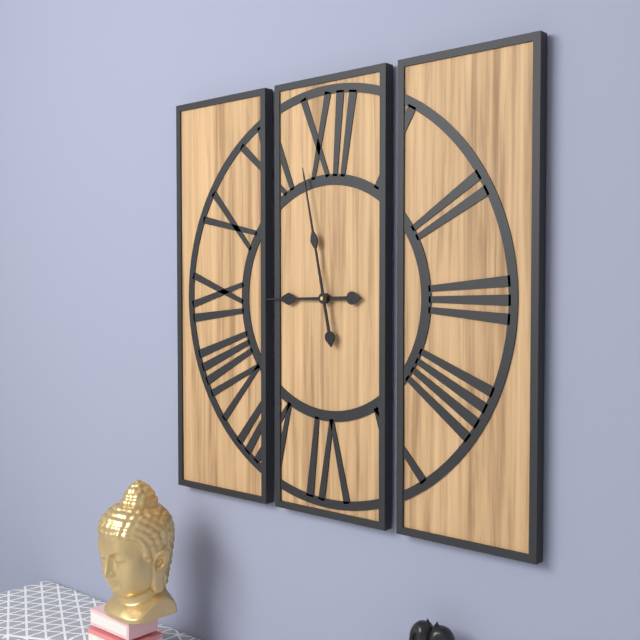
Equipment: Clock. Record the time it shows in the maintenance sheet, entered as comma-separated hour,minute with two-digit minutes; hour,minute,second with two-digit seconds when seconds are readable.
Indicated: 8,58
